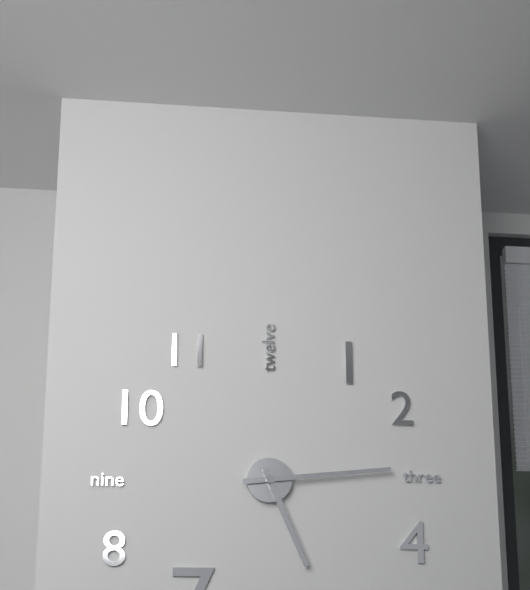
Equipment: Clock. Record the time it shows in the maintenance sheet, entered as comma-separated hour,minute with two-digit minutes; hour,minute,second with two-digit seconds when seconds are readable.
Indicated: 5,14
